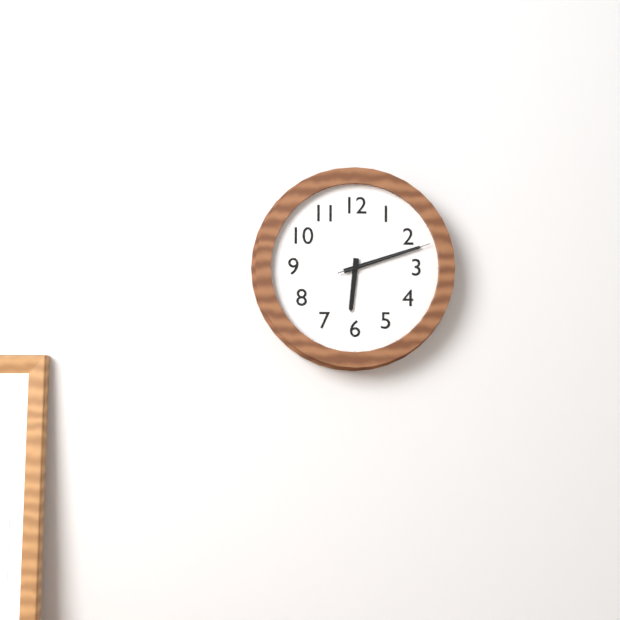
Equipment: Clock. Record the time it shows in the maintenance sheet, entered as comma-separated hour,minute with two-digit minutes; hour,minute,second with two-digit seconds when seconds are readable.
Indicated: 6,12,12
